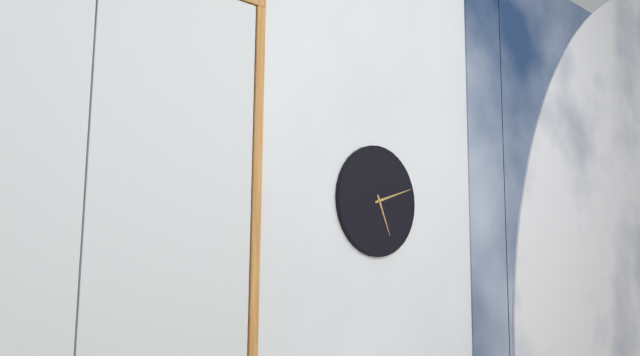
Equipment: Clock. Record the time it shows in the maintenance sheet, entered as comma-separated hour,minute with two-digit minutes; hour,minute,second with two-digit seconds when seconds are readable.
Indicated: 5,12
